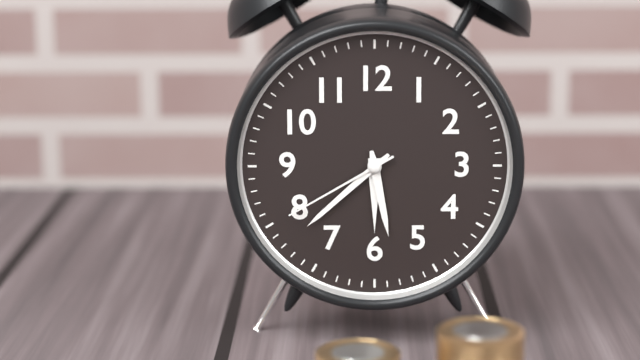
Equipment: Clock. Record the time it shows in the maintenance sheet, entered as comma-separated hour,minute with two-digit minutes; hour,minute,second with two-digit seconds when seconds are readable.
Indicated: 5,38,40
